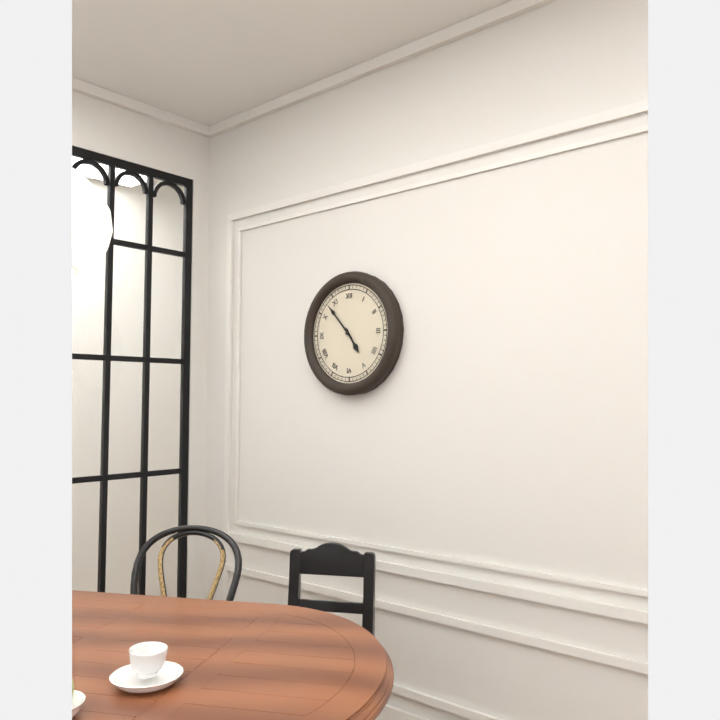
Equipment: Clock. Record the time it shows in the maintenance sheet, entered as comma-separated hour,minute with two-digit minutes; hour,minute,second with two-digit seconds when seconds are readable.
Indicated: 4,53
